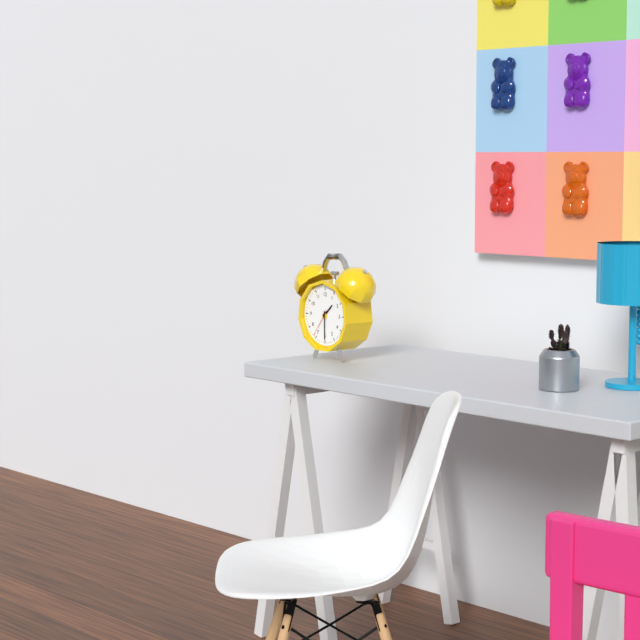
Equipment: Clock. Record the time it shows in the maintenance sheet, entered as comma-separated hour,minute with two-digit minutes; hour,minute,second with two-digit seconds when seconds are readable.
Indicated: 1,30
